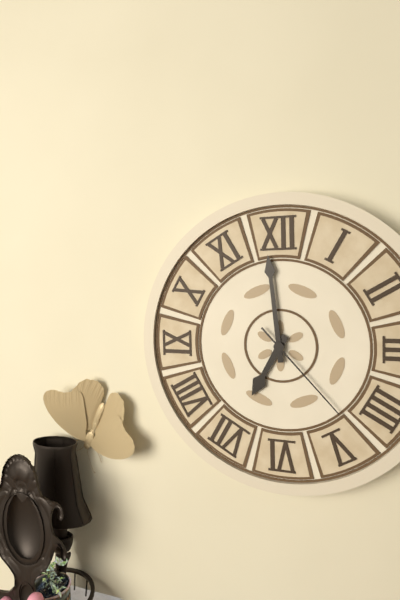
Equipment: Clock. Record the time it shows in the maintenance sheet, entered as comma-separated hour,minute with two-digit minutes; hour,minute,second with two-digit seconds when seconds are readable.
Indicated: 6,59,23
